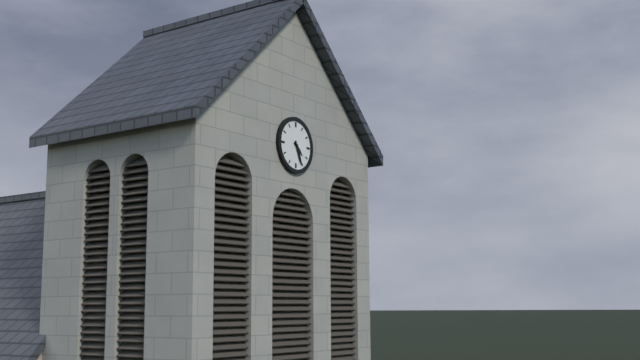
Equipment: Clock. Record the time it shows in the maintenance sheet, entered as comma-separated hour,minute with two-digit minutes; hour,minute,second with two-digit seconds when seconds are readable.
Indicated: 4,26
